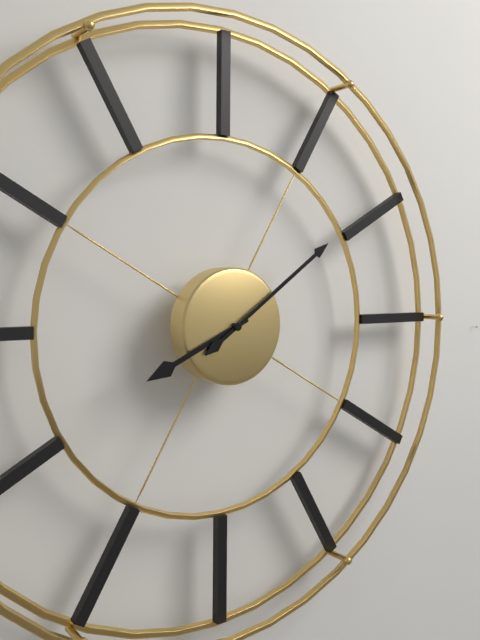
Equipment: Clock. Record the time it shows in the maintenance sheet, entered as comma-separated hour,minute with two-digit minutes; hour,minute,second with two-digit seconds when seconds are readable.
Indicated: 8,09
